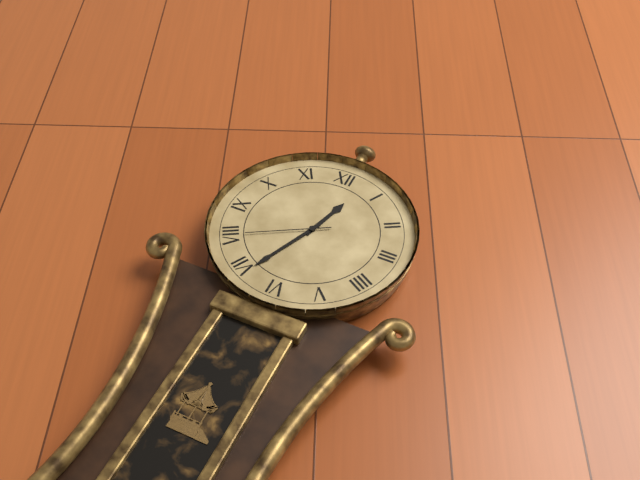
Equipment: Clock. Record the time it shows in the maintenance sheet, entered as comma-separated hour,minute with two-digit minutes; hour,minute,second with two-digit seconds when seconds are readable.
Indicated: 12,34,40
